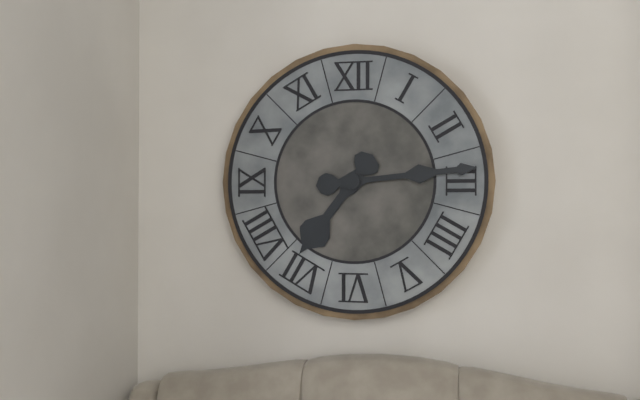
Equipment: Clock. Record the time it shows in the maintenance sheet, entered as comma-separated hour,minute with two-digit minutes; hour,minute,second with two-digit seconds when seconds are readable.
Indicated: 7,14
